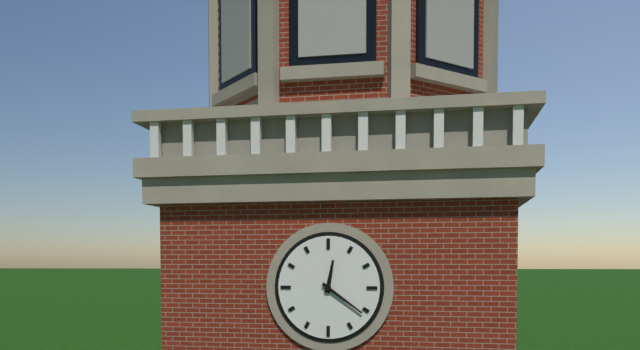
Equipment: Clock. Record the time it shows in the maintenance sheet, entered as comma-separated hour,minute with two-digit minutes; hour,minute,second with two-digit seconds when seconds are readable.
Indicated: 12,21
